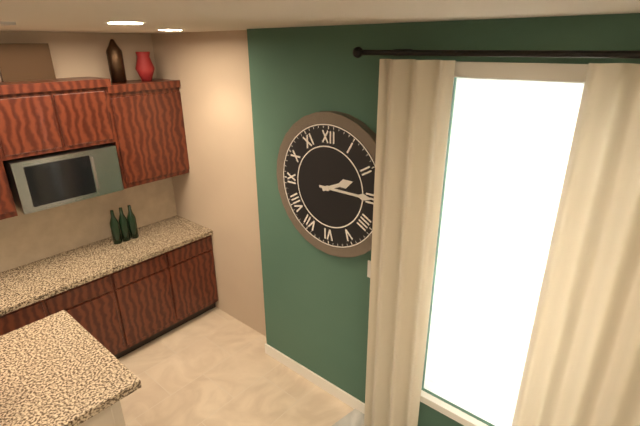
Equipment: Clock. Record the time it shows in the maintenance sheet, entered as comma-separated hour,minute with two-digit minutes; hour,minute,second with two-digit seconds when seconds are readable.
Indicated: 2,15
